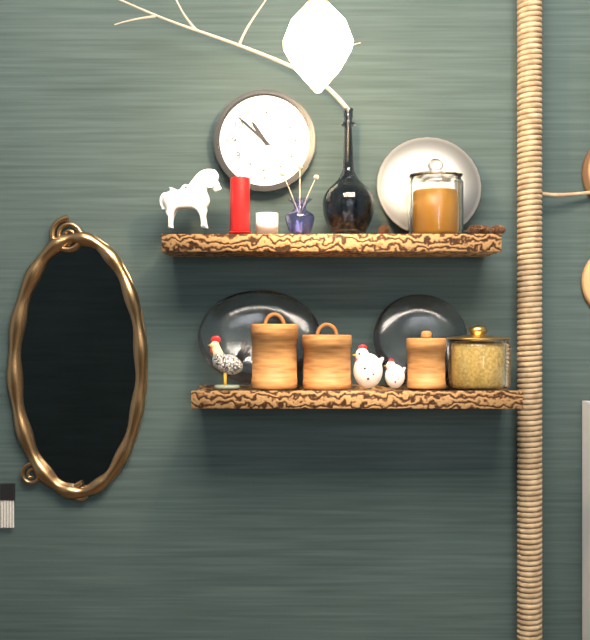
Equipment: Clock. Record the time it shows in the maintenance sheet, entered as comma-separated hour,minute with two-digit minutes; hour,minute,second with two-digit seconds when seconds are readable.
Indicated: 10,52
